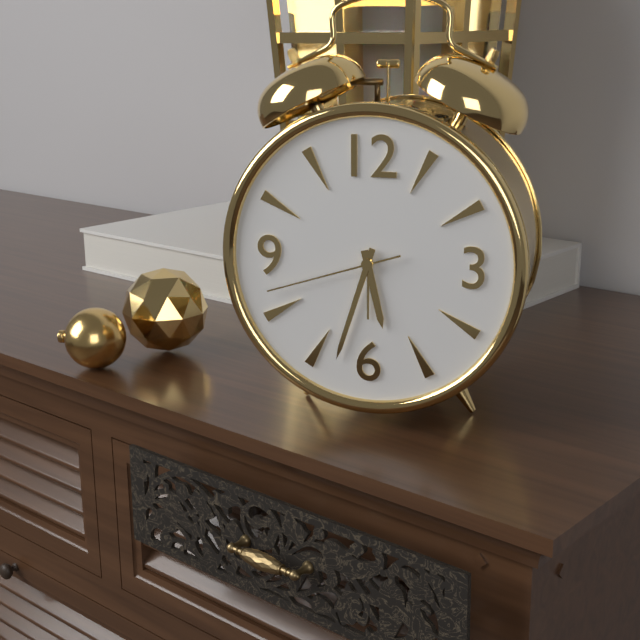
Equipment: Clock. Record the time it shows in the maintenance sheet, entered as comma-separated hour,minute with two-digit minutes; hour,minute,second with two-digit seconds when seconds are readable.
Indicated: 5,33,42
